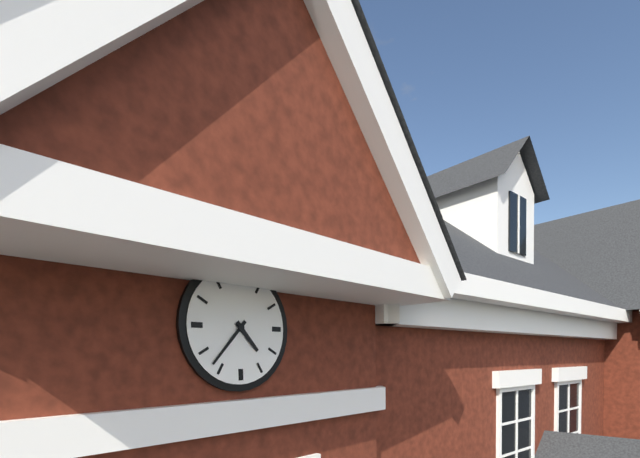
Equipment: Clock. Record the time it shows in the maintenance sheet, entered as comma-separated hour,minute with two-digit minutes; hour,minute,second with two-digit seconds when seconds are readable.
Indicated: 4,37
